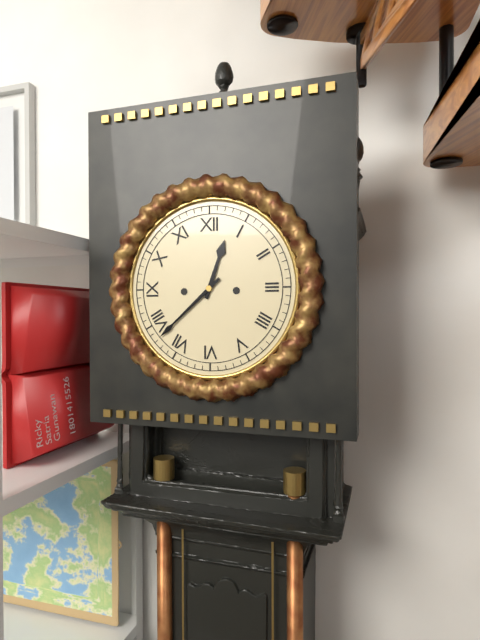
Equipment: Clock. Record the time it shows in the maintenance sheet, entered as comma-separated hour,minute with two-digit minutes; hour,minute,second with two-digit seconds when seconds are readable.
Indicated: 12,38
